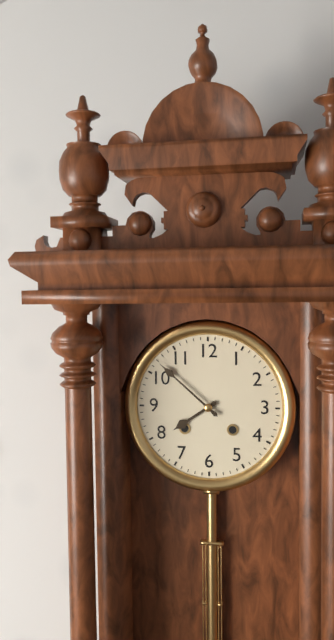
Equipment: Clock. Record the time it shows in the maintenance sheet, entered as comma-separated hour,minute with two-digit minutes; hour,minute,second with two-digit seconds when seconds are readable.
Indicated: 7,52
